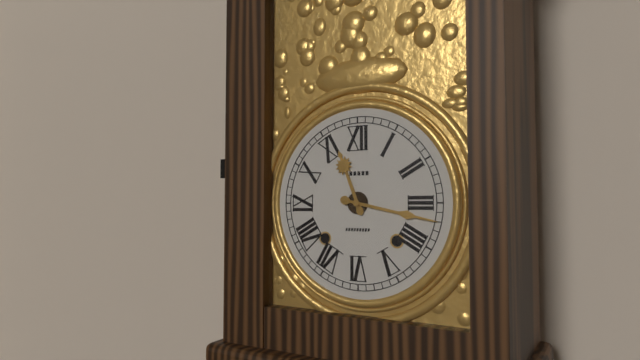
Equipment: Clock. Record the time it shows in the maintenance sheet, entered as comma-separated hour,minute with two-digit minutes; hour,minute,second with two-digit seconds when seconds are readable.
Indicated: 11,17
